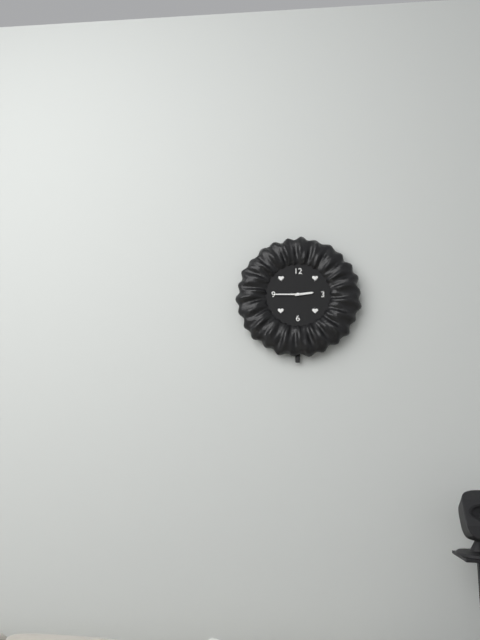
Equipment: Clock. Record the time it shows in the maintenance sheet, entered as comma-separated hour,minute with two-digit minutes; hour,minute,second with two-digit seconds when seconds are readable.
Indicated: 2,45
